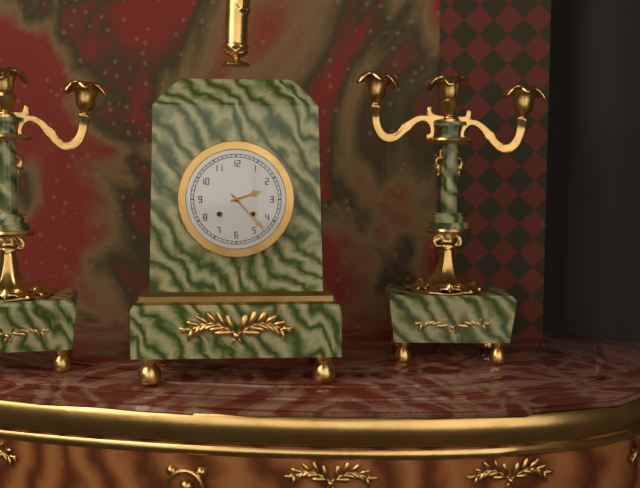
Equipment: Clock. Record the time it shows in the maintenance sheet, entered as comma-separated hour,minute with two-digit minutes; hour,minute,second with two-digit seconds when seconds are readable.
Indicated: 2,23
